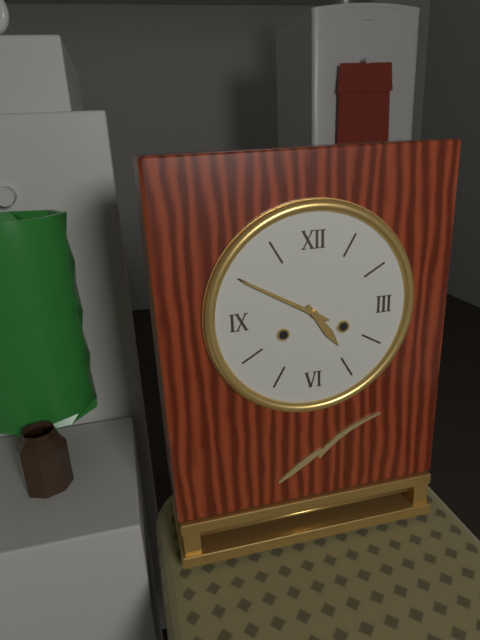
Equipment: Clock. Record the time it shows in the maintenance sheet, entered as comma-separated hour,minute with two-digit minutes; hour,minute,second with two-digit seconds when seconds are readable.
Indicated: 4,50
